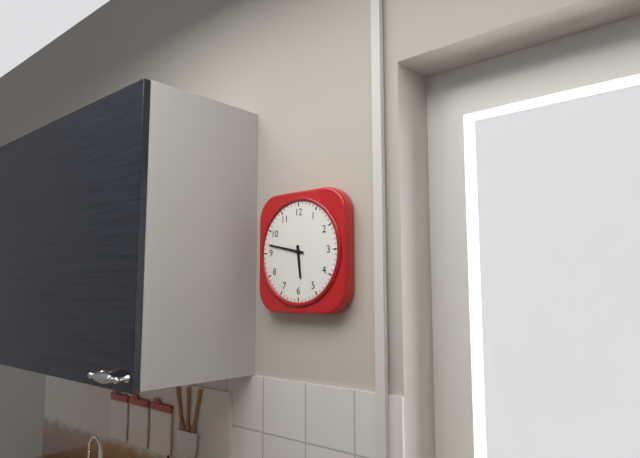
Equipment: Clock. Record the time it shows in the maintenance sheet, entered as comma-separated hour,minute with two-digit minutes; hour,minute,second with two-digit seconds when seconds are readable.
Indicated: 5,47
